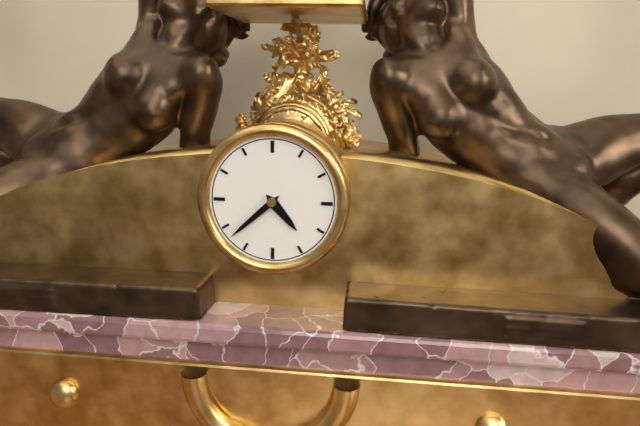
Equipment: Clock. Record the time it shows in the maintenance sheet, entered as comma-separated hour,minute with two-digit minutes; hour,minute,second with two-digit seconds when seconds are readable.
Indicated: 4,38
